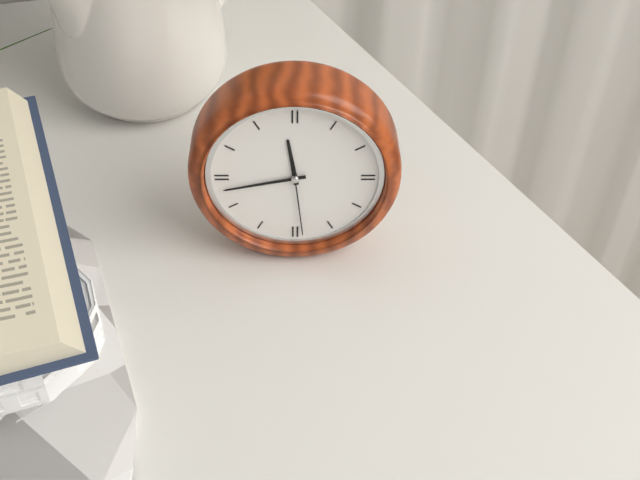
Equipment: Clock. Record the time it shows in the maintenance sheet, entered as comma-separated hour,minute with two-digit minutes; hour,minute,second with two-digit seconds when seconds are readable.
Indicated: 11,43,29
